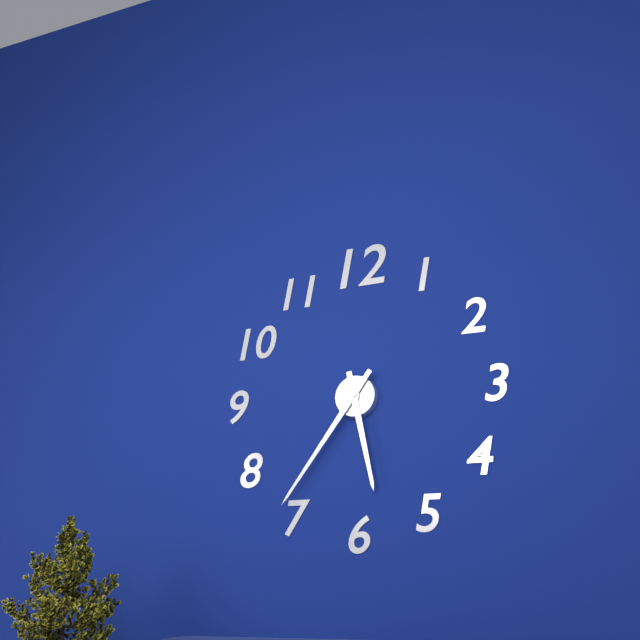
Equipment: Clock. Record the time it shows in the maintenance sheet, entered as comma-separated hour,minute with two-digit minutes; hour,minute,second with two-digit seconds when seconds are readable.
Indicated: 5,36
